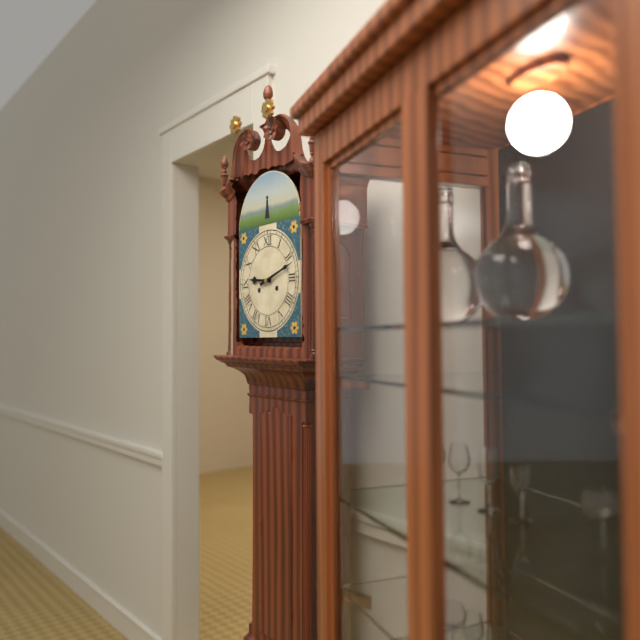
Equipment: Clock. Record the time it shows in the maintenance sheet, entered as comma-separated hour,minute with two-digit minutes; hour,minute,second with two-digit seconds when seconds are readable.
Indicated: 9,12
